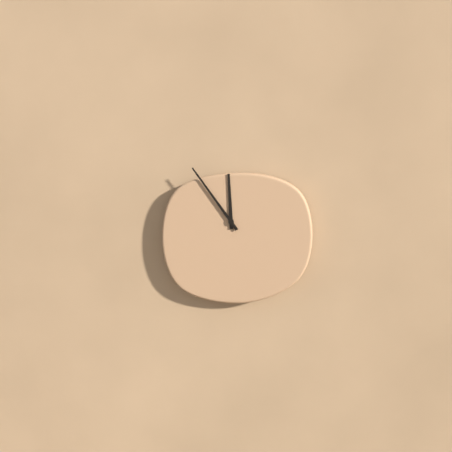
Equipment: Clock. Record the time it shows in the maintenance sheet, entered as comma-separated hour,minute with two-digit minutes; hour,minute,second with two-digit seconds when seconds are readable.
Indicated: 11,54
